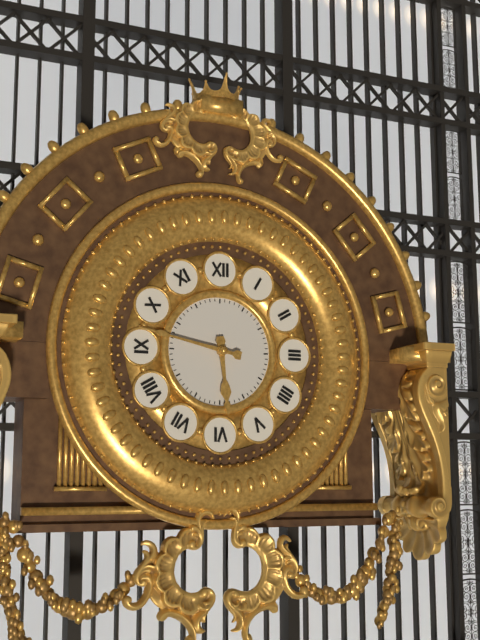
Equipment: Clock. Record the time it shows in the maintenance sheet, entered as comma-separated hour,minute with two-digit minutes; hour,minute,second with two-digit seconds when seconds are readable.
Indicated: 5,47
